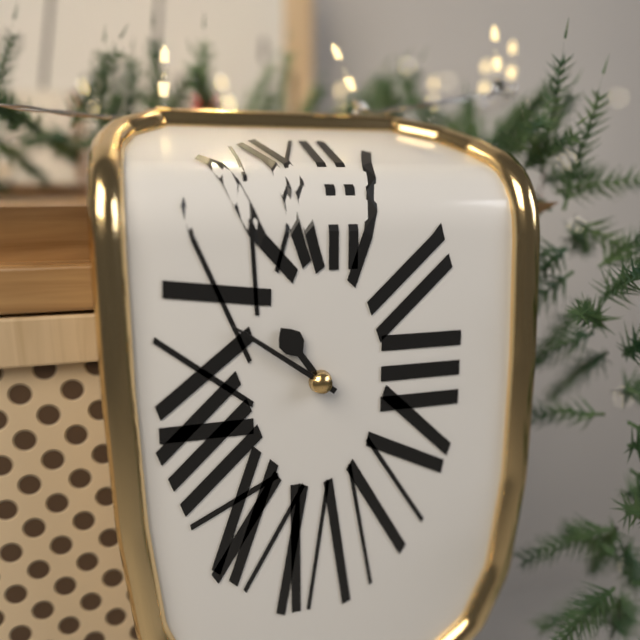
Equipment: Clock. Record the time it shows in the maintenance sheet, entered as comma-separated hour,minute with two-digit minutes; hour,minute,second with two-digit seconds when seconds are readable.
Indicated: 10,51
